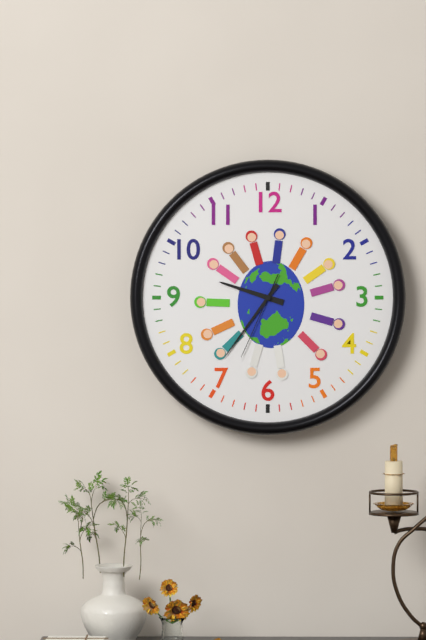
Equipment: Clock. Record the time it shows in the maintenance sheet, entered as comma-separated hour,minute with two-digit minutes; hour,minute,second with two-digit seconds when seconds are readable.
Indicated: 9,36,34
